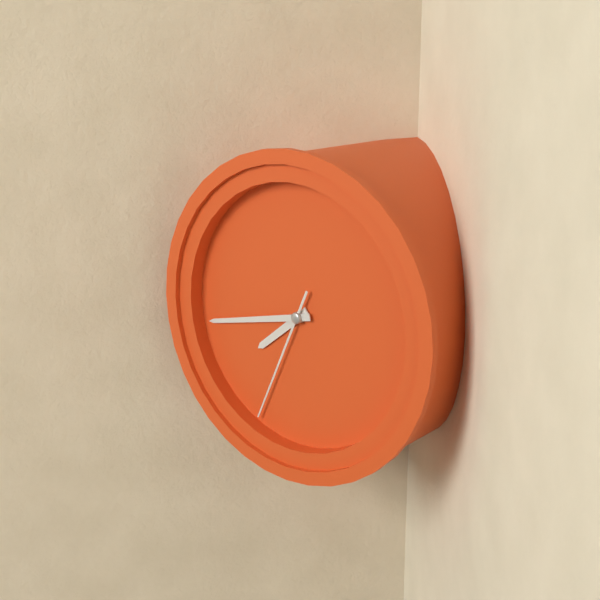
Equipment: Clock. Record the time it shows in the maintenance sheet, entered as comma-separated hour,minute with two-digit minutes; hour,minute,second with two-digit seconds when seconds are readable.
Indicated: 7,43,34
